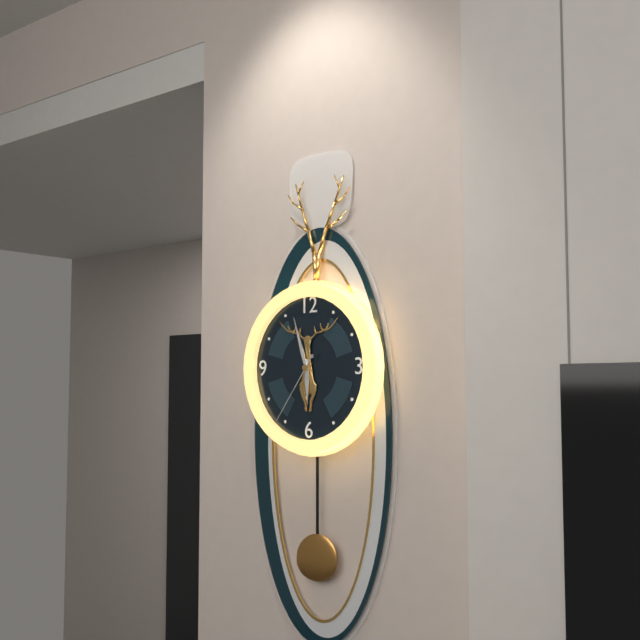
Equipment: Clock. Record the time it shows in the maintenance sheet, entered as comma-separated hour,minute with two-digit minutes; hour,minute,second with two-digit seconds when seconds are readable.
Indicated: 5,57,36
